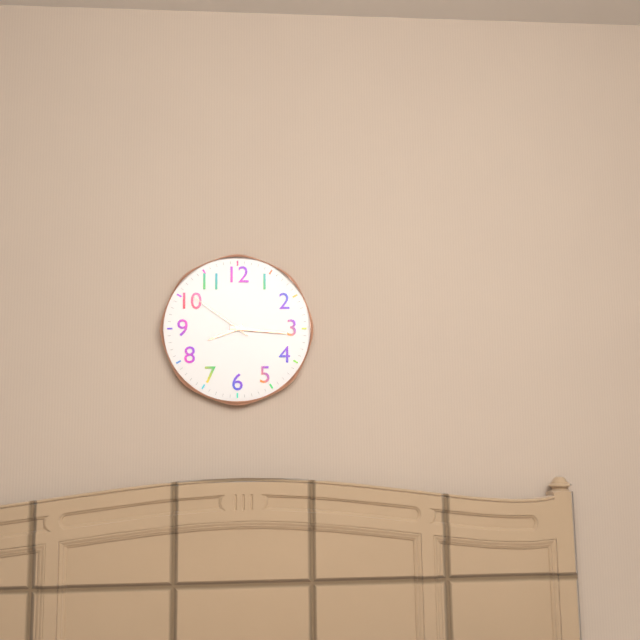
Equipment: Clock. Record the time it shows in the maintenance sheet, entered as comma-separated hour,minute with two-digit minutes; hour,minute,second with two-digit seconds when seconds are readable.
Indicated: 8,16,51
